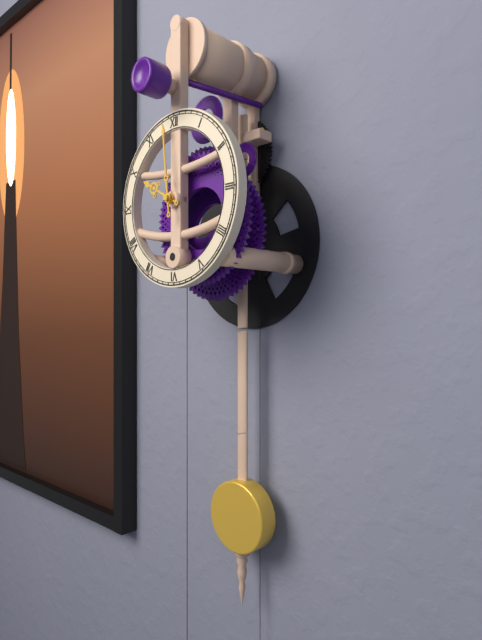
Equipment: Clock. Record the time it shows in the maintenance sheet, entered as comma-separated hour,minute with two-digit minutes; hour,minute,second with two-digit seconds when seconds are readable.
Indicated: 9,59
